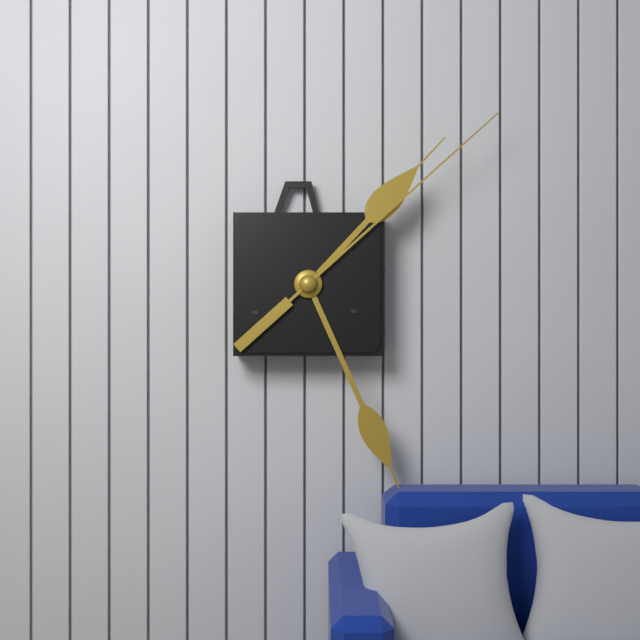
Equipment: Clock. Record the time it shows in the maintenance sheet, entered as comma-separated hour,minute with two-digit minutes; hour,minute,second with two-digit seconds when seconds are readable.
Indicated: 1,26,08
